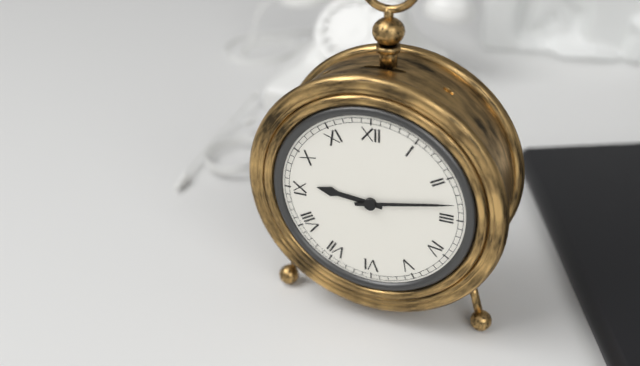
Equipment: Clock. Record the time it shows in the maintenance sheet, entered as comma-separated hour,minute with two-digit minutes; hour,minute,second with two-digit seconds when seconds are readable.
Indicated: 9,13
